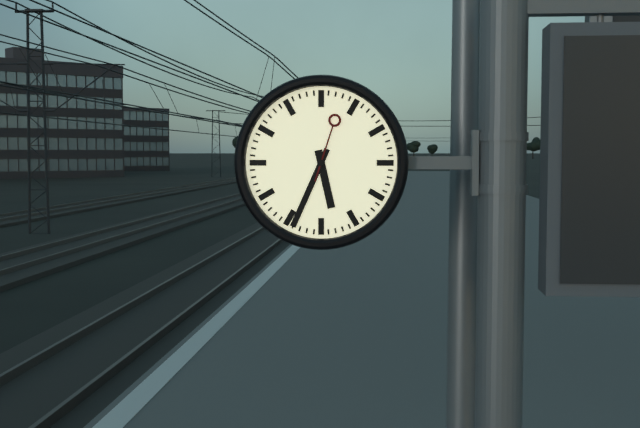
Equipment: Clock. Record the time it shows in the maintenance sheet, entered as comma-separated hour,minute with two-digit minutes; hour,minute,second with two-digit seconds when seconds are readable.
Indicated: 5,34,03
